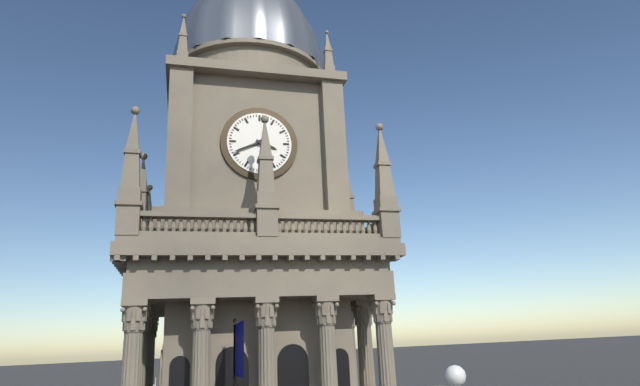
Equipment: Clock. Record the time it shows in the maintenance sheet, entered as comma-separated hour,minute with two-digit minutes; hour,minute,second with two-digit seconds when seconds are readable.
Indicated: 3,41
